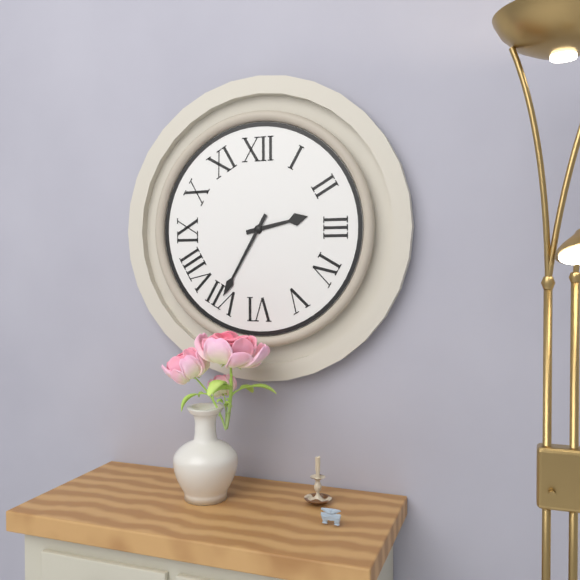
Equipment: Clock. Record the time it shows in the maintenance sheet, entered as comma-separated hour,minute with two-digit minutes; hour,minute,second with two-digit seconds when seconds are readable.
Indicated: 2,35
